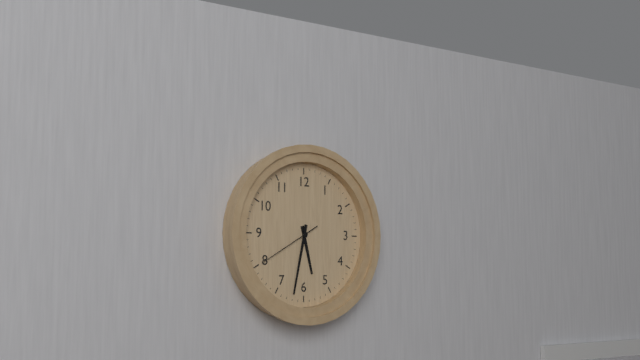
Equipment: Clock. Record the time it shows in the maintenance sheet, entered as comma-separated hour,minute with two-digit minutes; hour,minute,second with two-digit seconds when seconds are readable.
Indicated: 5,32,40
